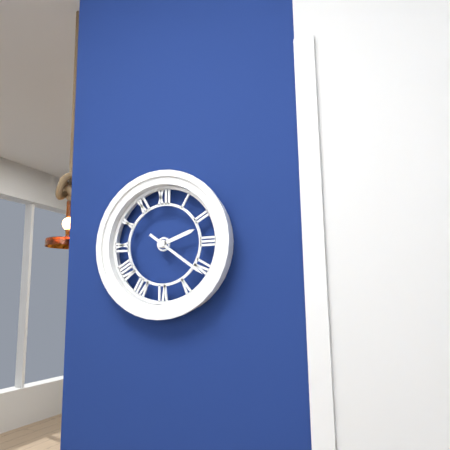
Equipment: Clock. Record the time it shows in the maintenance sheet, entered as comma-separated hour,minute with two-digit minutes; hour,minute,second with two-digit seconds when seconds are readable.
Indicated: 2,21
